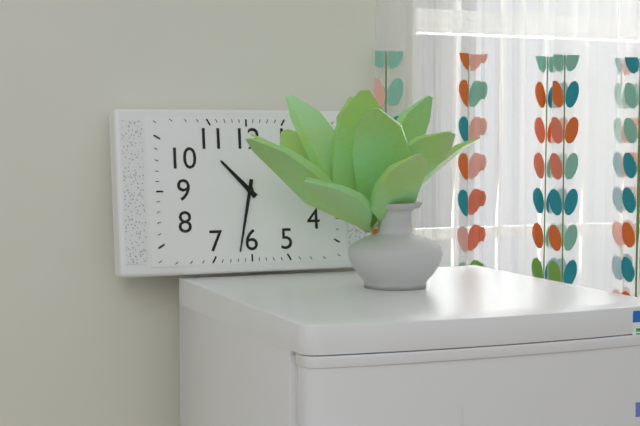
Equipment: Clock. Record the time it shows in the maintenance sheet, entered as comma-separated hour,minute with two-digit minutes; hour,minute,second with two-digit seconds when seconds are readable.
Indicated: 10,32
